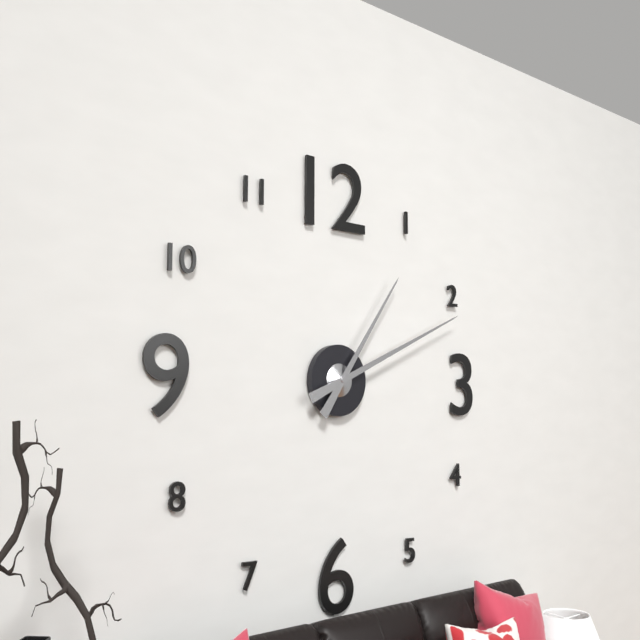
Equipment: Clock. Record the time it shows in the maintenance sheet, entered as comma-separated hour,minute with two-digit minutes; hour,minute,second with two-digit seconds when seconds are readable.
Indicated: 1,11
